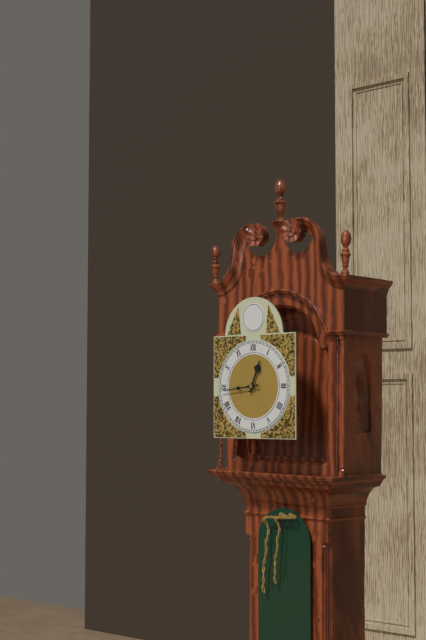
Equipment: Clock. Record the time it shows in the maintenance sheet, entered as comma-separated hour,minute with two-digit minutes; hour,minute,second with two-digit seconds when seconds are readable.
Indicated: 12,44
